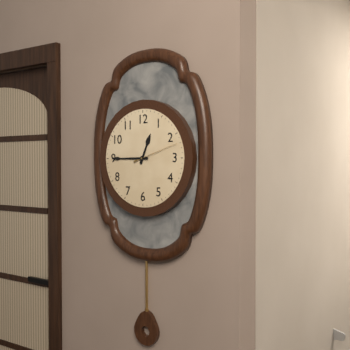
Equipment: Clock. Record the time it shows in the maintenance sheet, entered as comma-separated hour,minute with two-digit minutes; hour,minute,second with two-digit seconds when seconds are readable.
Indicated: 12,45
